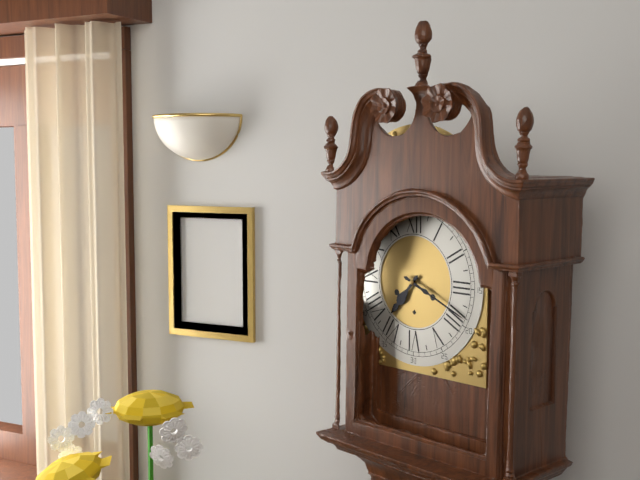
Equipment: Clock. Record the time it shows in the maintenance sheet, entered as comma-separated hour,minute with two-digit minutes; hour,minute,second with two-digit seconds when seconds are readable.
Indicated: 7,19
